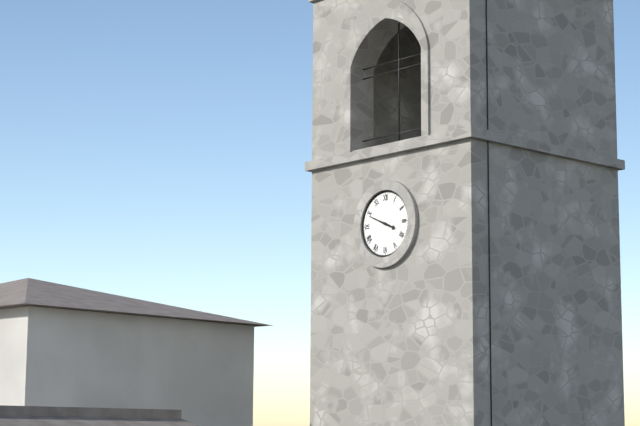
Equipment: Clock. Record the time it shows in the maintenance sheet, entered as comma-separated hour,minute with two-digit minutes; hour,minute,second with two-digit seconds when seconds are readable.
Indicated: 3,49
